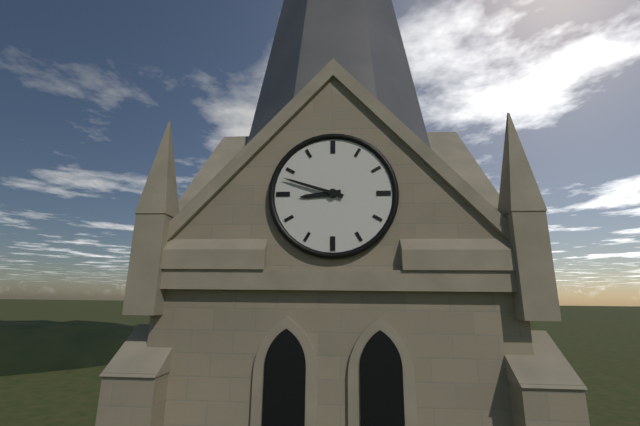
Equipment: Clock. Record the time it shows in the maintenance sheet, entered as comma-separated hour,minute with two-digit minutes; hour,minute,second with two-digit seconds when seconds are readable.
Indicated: 8,48
